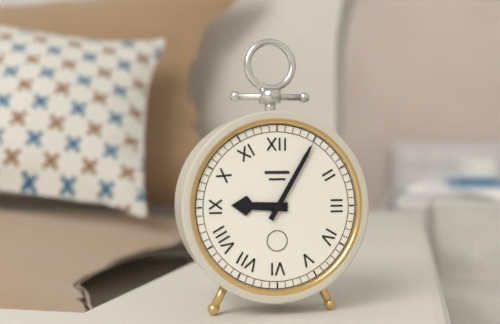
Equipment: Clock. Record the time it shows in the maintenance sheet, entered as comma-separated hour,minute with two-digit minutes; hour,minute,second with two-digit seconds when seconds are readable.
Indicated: 9,05
